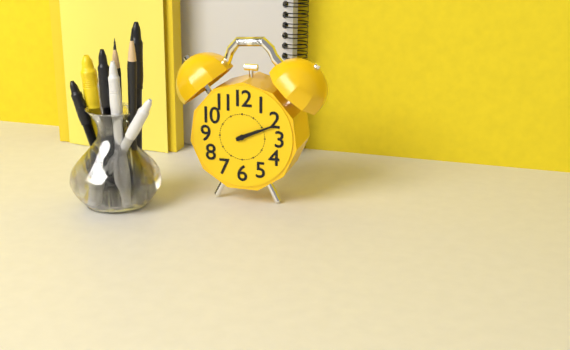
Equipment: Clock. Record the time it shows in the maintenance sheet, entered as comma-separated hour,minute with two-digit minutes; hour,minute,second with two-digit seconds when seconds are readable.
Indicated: 2,11
